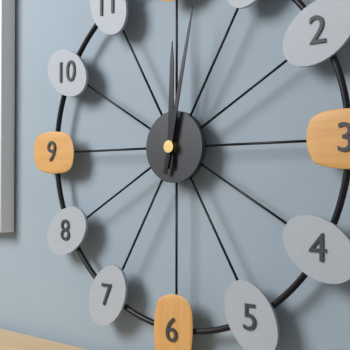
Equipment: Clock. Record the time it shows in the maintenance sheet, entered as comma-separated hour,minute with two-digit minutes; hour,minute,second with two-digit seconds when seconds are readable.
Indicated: 12,02
